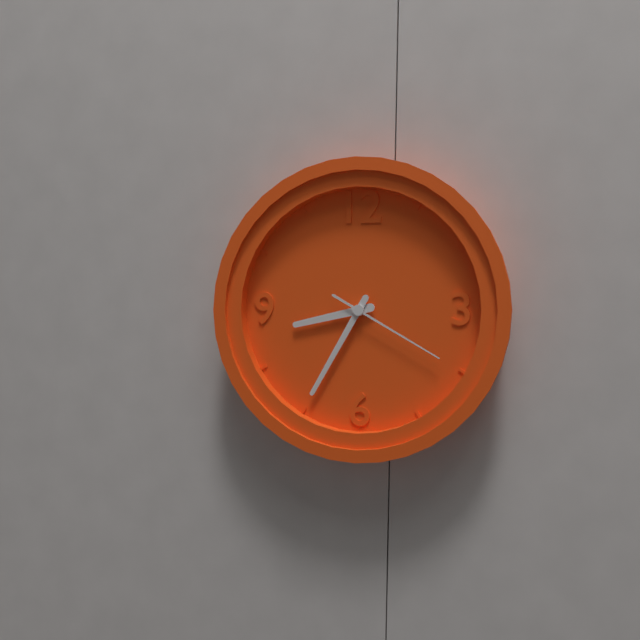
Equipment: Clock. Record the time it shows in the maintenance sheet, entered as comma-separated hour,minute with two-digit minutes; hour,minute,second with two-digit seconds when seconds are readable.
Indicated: 8,35,20
